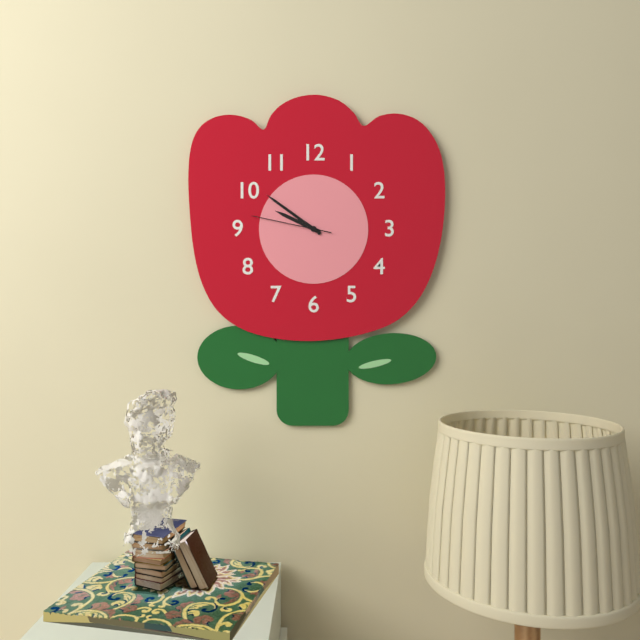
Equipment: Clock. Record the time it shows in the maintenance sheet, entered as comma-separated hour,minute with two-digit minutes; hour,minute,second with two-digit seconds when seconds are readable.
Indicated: 9,51,47
